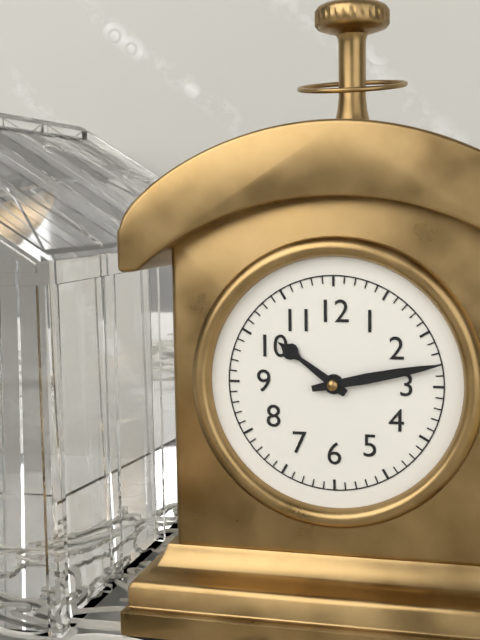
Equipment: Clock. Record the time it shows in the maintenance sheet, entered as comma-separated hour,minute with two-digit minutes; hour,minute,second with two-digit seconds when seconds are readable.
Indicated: 10,13
